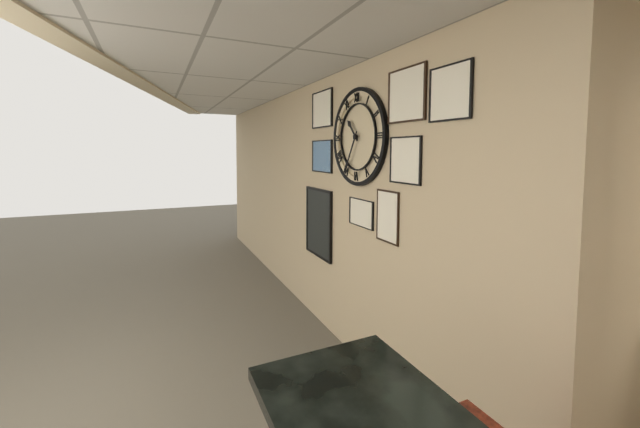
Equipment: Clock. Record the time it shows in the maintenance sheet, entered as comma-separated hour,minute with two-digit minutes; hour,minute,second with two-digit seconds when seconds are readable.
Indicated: 10,35
